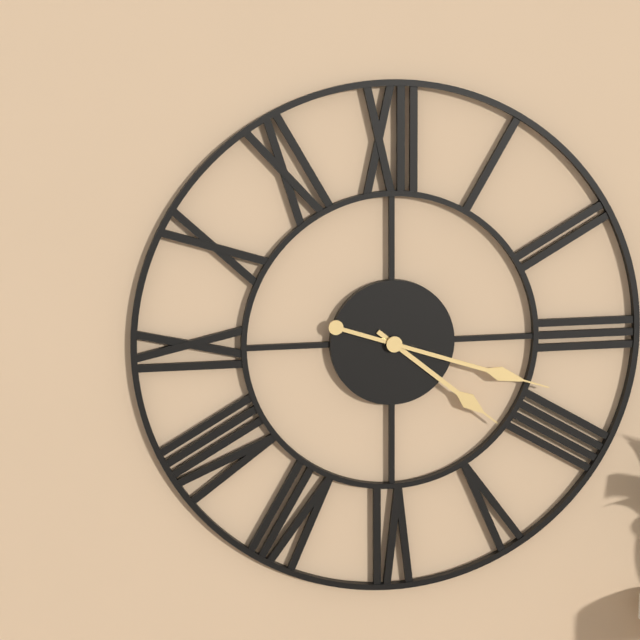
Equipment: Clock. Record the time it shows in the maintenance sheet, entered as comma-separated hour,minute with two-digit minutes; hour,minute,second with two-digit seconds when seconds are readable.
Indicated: 4,18
